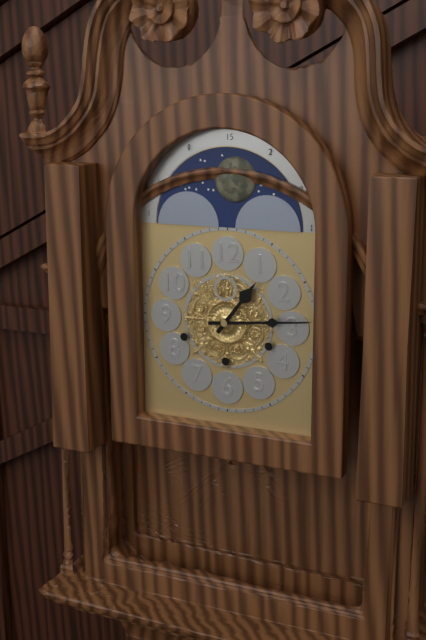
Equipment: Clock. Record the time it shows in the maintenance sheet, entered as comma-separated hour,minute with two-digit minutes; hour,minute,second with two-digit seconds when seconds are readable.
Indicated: 1,14
